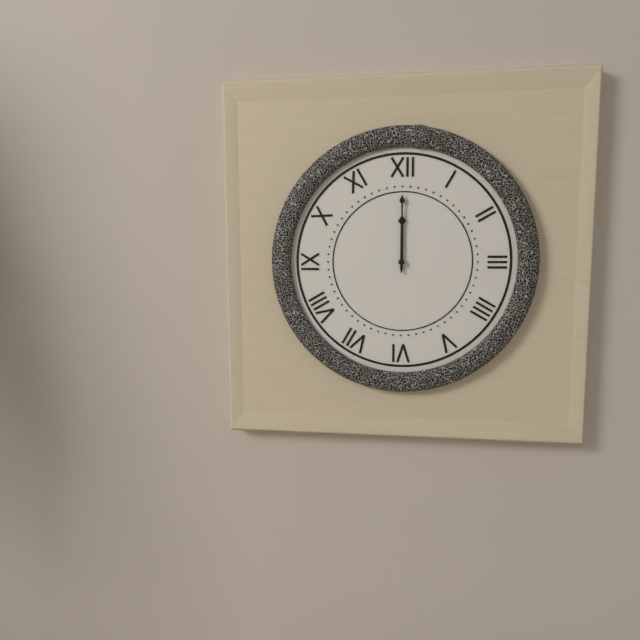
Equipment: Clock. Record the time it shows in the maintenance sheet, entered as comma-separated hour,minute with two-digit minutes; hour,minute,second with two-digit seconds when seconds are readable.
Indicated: 12,00
